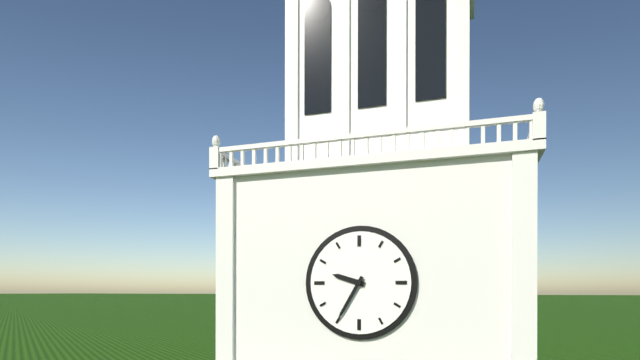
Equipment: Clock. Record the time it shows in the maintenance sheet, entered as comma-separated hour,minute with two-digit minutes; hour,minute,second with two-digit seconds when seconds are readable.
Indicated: 9,35
